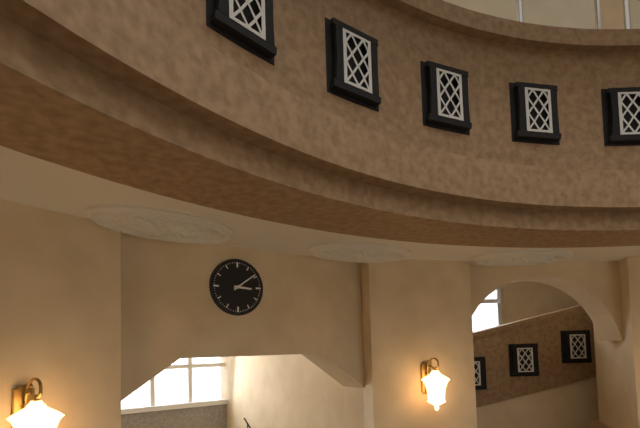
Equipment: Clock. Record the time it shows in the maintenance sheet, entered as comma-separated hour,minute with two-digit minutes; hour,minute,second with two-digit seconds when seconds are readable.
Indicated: 3,09
